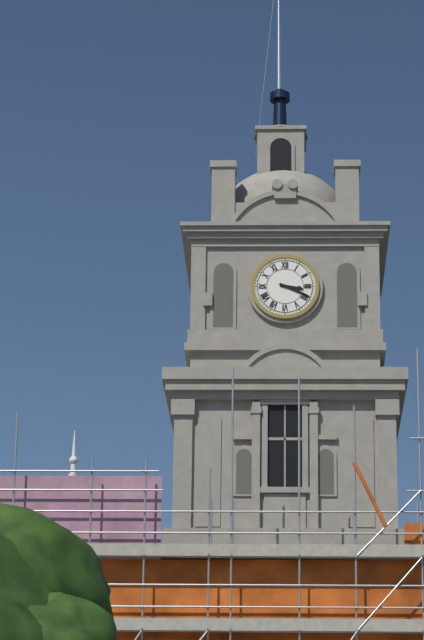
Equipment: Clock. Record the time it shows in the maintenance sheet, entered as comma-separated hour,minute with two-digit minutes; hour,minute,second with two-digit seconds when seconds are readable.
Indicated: 3,19
